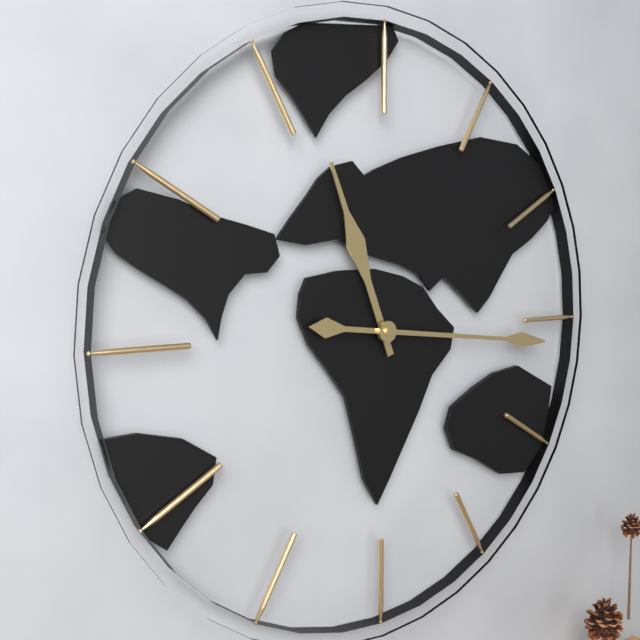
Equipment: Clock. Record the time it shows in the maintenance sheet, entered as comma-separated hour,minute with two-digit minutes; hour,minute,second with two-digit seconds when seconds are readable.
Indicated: 11,16
